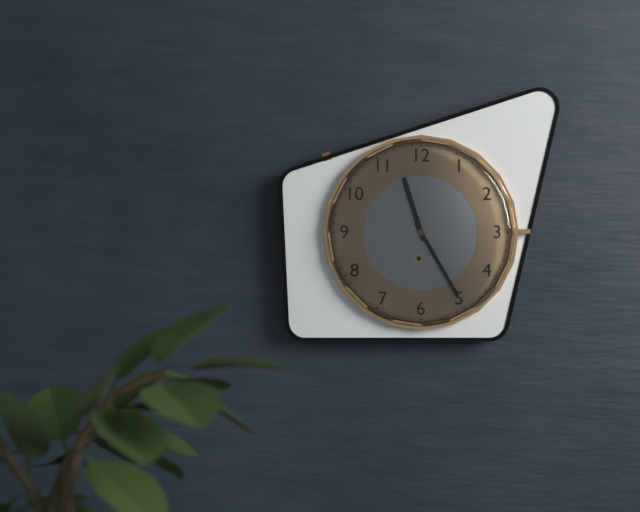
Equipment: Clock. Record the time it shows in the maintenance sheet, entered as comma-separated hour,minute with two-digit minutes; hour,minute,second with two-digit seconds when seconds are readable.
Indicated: 11,25
